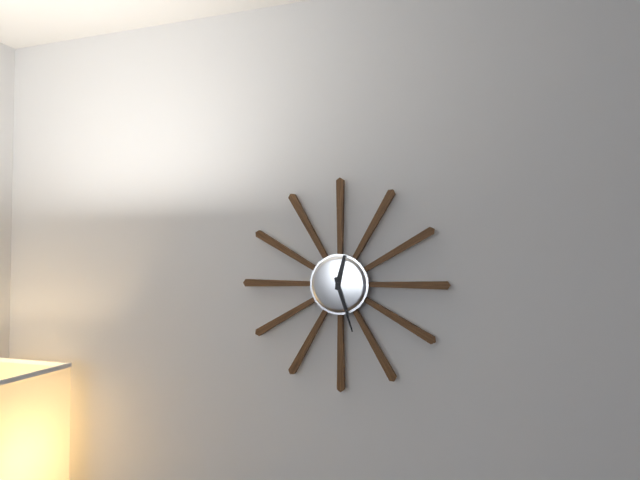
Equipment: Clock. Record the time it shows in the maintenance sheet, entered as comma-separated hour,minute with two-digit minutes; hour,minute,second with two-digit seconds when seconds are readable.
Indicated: 12,27
